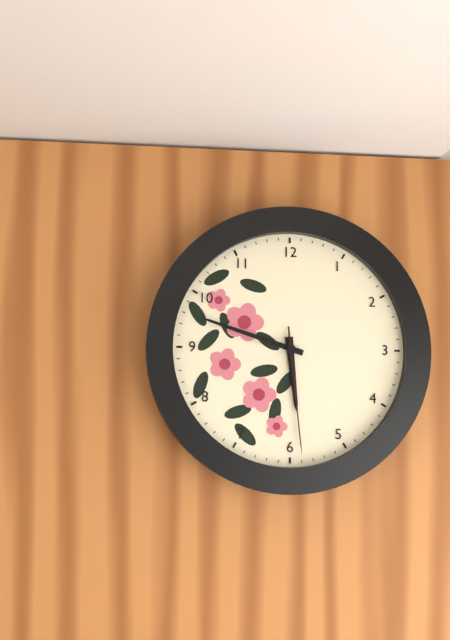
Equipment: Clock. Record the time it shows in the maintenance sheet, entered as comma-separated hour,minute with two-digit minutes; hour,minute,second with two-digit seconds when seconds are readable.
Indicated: 5,48,29
